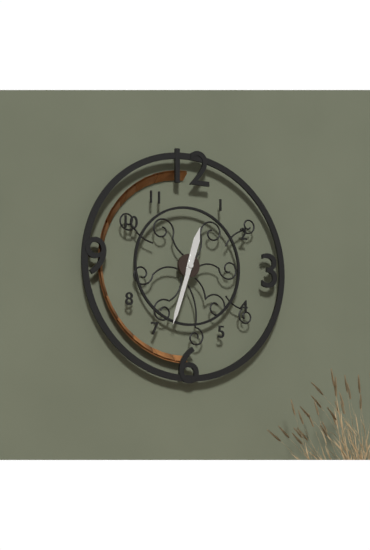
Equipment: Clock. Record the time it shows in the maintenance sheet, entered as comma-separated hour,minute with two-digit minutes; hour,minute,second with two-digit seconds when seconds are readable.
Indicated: 12,33
